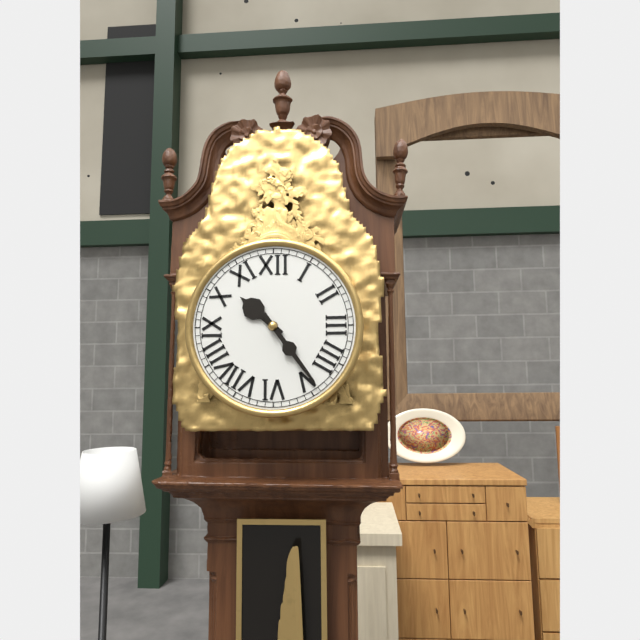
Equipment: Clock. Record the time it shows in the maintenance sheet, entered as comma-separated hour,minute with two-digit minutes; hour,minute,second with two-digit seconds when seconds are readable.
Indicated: 10,24
